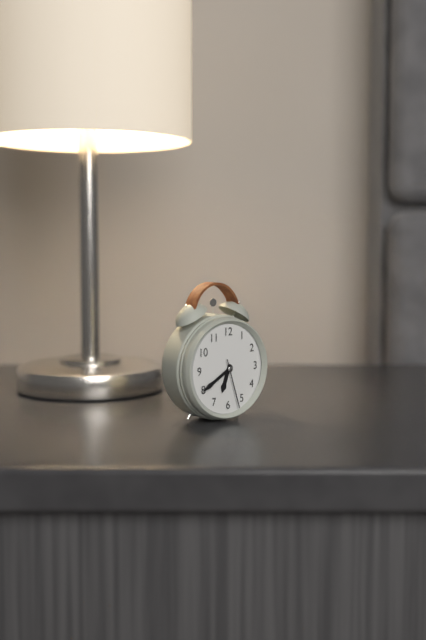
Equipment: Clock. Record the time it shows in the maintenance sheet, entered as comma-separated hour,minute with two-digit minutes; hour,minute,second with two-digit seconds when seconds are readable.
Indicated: 6,40
